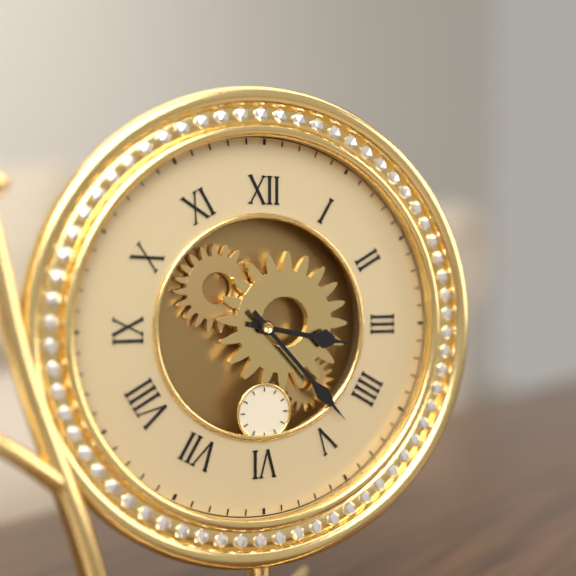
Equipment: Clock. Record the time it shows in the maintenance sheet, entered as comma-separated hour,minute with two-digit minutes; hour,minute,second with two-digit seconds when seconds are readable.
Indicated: 3,23
